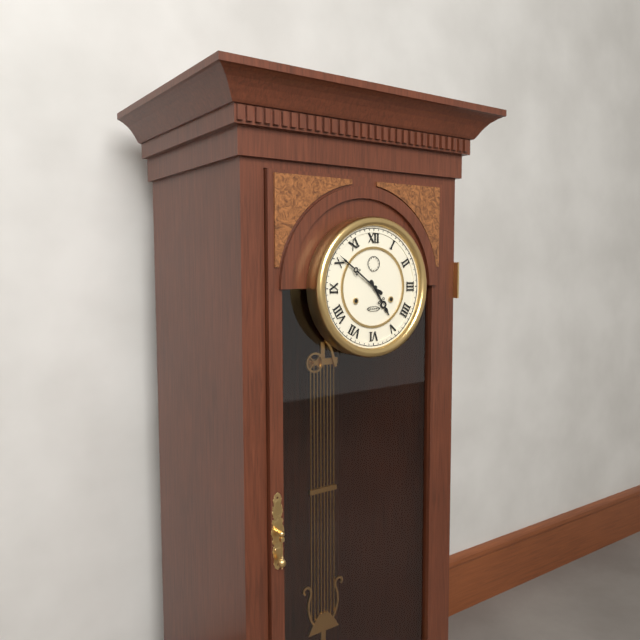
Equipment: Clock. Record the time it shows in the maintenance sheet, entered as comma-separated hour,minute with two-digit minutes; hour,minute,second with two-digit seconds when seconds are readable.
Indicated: 4,51
